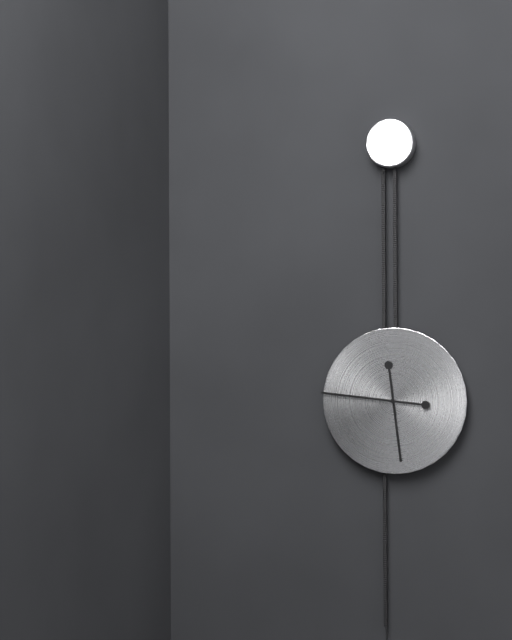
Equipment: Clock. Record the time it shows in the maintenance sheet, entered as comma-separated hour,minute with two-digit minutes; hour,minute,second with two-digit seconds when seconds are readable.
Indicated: 5,46
